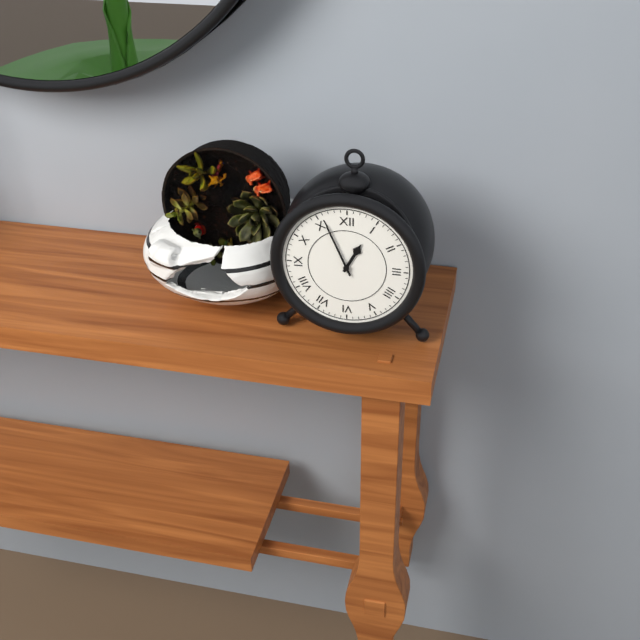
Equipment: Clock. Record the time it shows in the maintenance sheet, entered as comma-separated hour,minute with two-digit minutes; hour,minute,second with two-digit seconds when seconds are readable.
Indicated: 12,56
